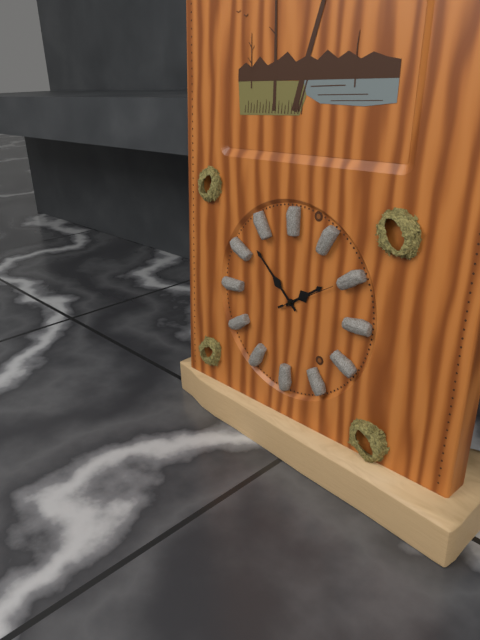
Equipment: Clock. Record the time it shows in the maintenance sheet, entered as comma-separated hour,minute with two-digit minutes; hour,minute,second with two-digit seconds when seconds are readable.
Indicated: 1,52,10
